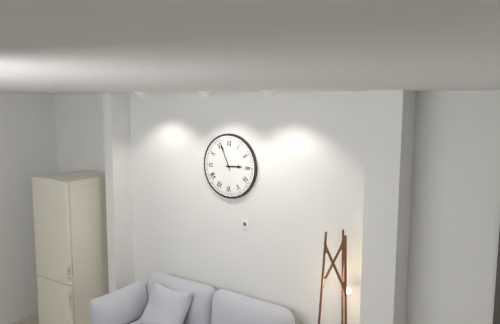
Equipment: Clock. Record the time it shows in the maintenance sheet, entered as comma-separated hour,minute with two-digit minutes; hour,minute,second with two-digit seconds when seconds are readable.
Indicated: 2,56
